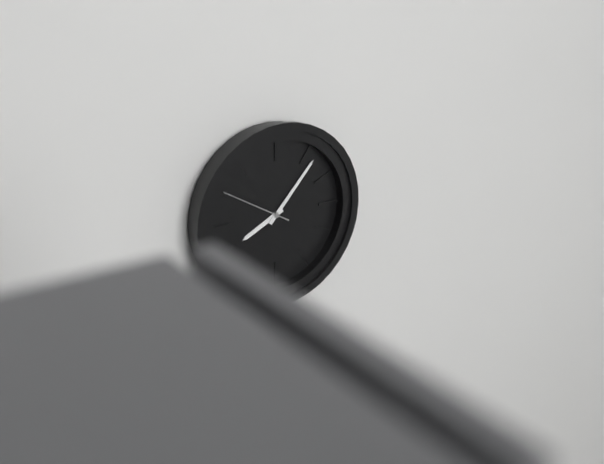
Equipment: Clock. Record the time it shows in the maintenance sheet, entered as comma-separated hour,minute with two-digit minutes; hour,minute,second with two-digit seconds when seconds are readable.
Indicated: 8,07,50
